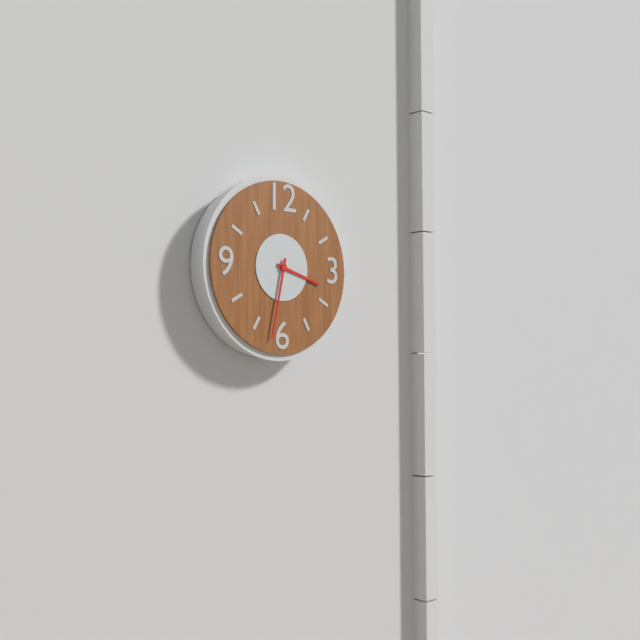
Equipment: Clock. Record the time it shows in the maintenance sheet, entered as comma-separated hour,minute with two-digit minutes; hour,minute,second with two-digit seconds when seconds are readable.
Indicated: 3,32
